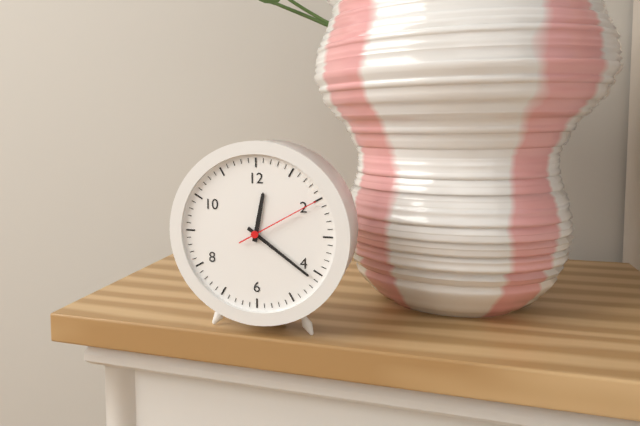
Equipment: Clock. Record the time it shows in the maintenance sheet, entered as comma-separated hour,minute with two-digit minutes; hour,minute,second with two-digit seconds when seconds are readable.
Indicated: 12,21,10
